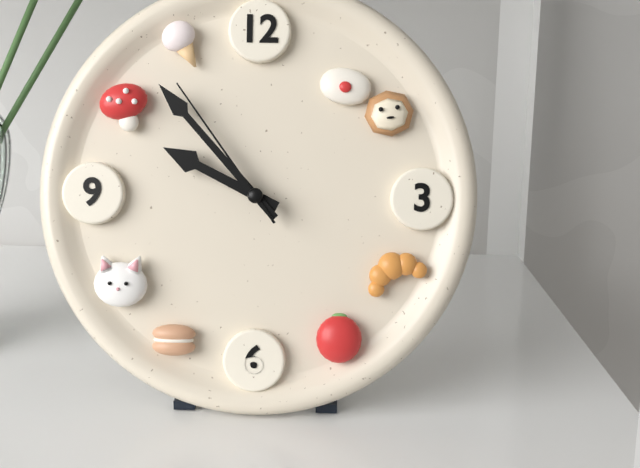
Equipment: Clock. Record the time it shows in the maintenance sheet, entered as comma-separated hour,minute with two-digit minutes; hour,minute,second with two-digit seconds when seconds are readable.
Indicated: 9,53,54
